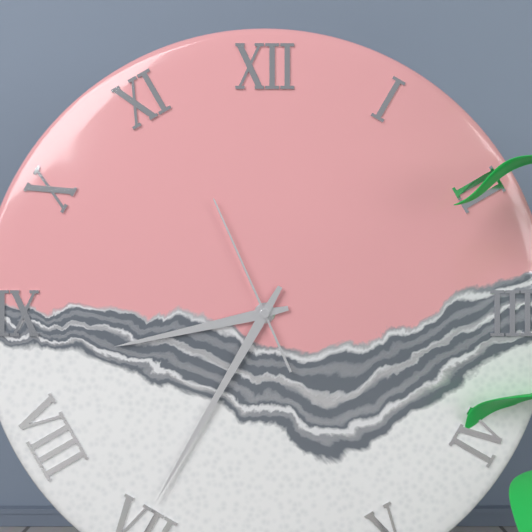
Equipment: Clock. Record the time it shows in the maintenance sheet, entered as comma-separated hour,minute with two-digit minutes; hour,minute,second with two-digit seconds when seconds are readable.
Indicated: 8,35,56
